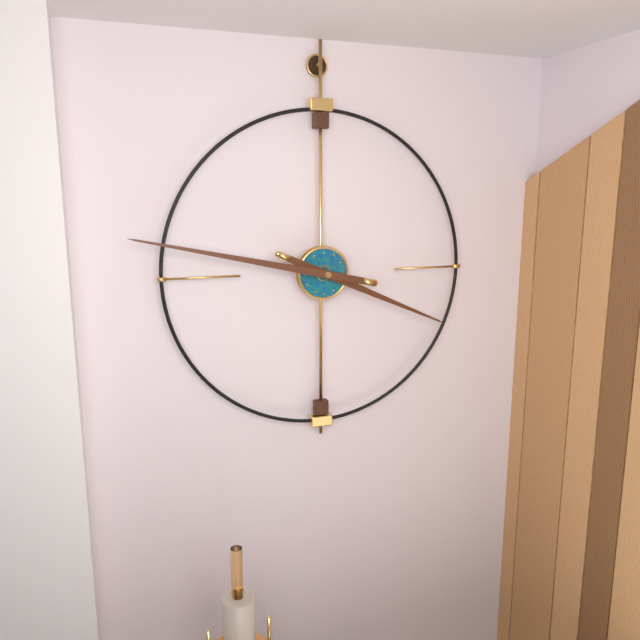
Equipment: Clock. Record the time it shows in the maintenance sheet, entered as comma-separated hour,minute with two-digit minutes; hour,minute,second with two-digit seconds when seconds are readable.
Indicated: 3,47
